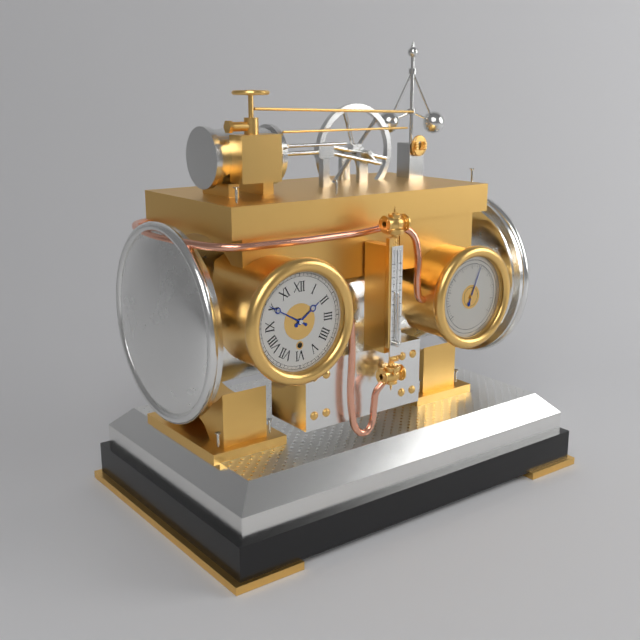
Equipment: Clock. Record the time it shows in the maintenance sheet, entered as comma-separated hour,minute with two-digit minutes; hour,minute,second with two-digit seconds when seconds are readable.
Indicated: 1,50
